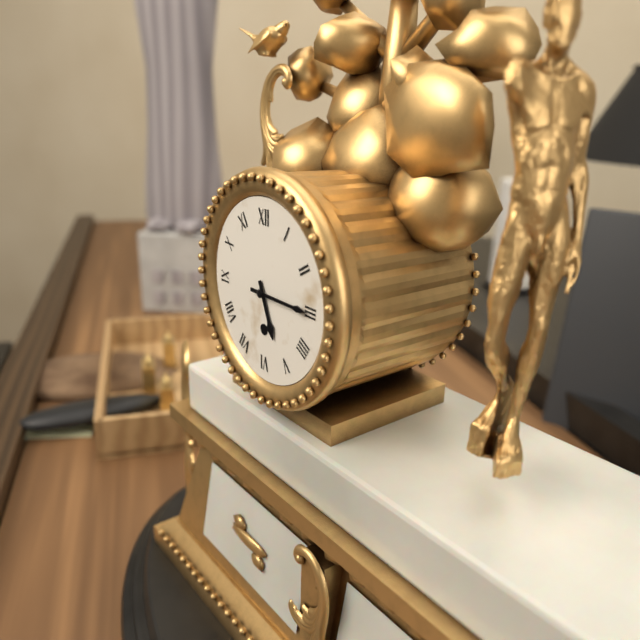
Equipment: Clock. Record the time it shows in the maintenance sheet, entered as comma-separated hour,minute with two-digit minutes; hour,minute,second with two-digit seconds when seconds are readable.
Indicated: 5,15
